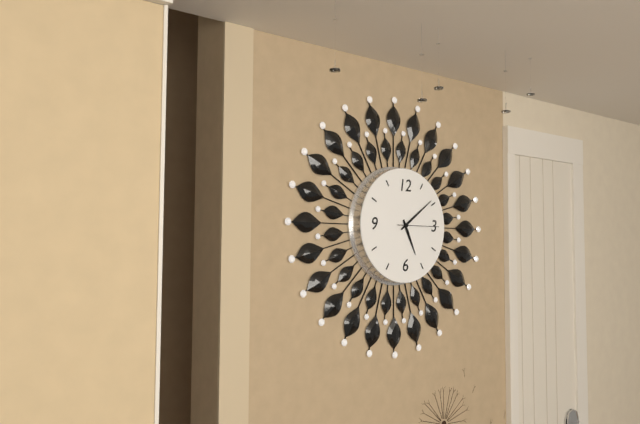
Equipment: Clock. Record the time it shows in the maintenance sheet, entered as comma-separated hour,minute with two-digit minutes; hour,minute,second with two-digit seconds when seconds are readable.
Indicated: 5,09
